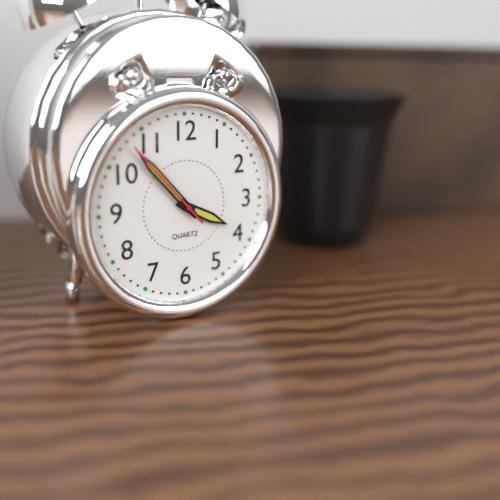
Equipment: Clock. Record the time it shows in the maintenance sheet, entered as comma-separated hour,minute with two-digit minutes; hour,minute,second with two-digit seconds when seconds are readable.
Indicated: 3,53,53
